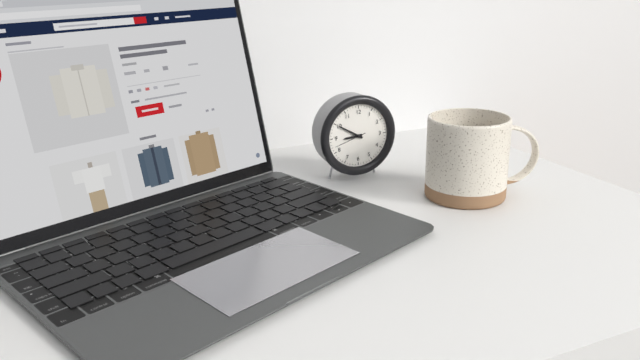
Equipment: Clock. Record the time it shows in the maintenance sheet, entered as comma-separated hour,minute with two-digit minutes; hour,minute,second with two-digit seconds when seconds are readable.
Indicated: 8,50
